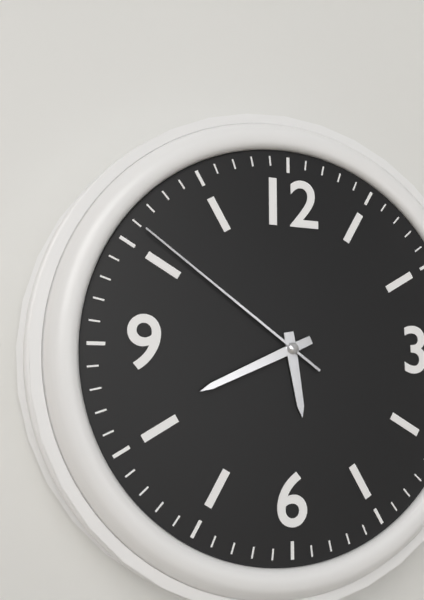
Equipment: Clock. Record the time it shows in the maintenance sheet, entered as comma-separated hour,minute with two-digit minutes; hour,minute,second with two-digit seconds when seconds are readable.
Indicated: 5,41,51
